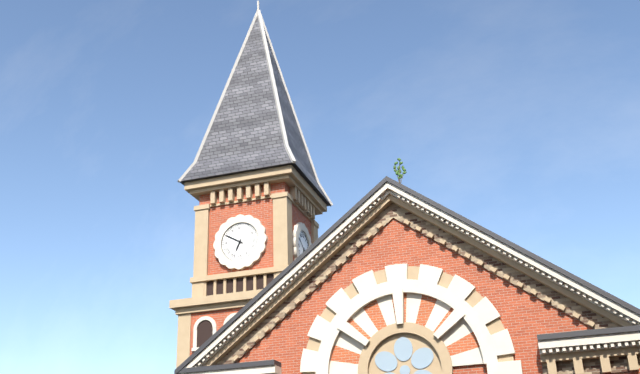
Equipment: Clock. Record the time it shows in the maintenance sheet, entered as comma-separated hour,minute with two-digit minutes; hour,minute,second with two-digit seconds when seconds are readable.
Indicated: 6,50
